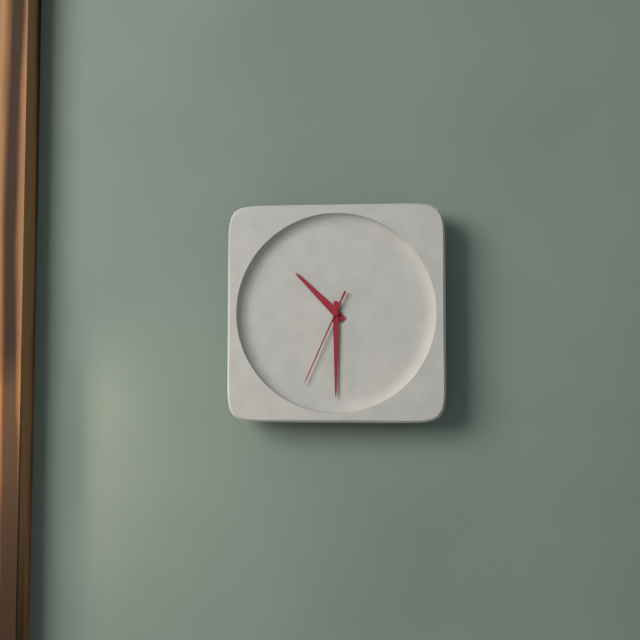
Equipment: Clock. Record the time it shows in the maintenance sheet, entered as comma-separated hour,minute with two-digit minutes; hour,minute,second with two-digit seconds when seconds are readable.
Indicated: 10,30,34
